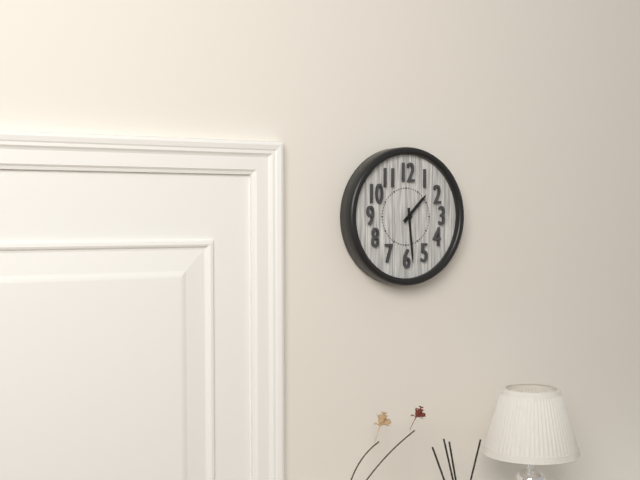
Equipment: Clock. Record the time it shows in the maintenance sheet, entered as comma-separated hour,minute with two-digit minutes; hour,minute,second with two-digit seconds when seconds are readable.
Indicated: 1,29
